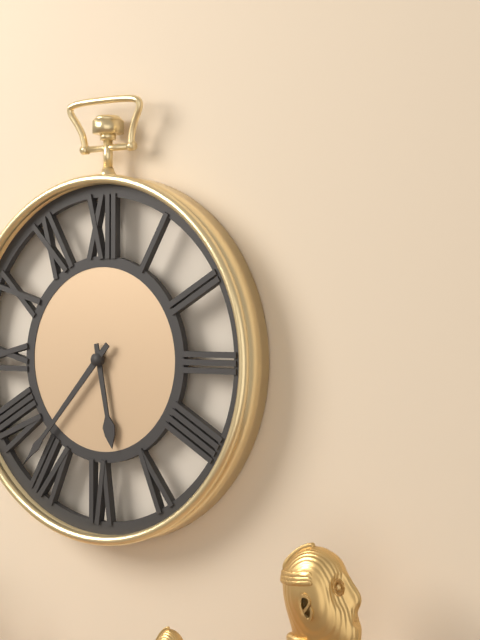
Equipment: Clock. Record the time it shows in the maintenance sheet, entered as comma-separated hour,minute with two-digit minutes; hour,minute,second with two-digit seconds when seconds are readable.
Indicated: 5,37
